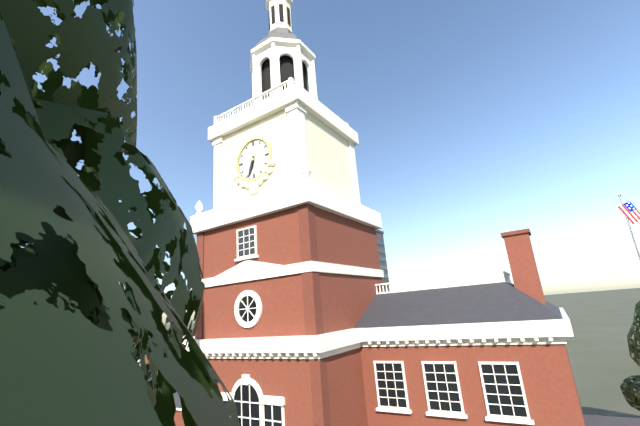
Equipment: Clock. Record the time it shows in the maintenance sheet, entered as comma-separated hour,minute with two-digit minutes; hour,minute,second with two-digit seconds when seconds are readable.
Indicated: 6,33
